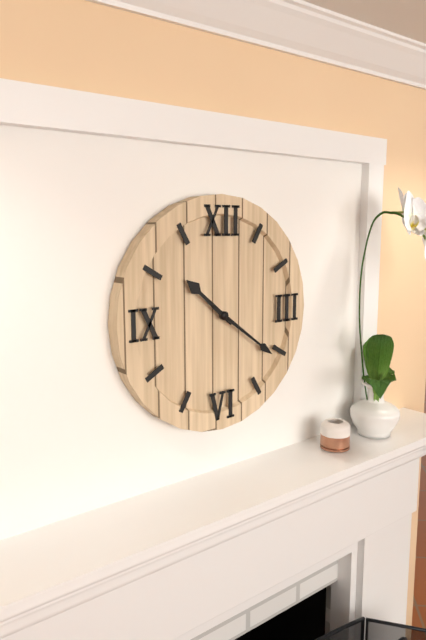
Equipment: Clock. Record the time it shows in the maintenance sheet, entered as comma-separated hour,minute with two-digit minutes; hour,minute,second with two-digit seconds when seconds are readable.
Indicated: 10,21
